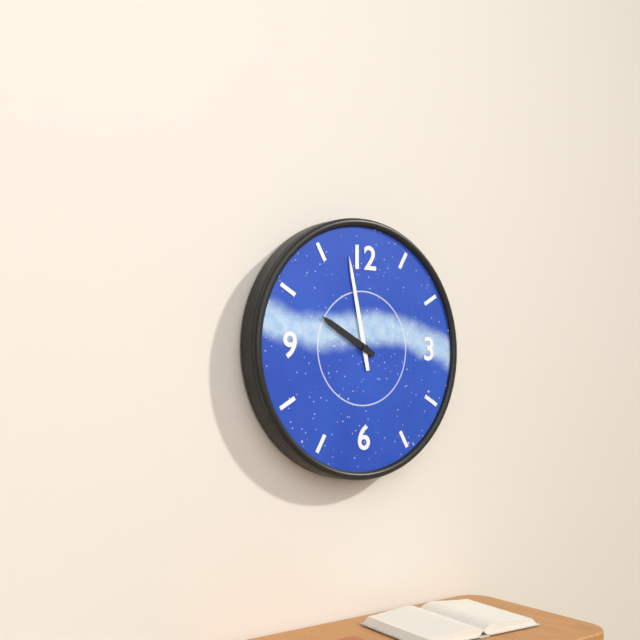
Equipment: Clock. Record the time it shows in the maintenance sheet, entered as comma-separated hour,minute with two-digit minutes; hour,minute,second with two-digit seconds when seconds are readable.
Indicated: 9,58
